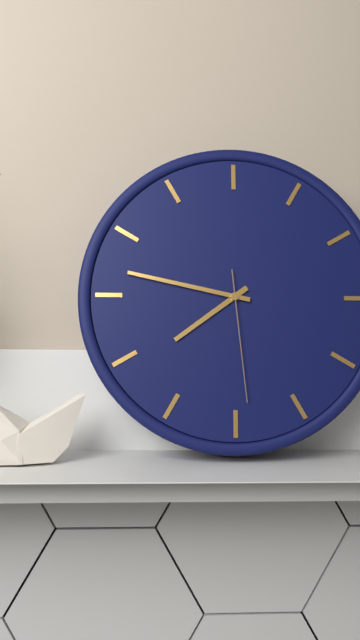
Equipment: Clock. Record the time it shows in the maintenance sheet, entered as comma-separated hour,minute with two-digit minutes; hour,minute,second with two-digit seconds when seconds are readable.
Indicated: 7,47,29
